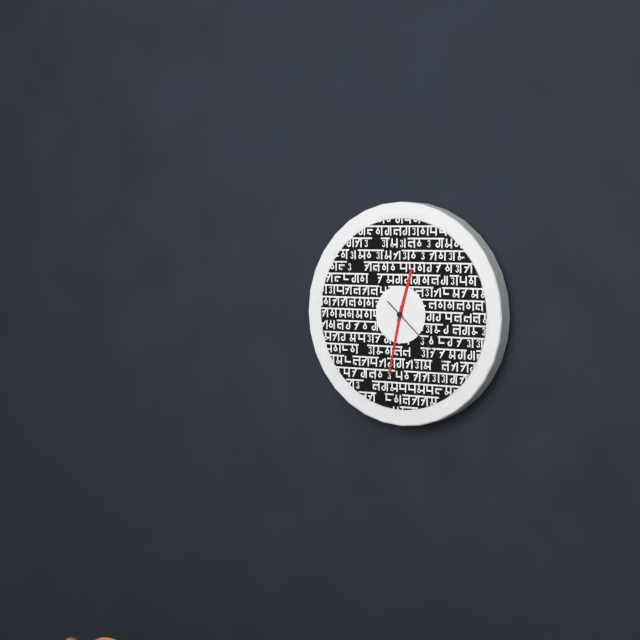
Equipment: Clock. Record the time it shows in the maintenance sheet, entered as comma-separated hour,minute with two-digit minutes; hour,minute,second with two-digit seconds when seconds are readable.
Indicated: 12,32,22
